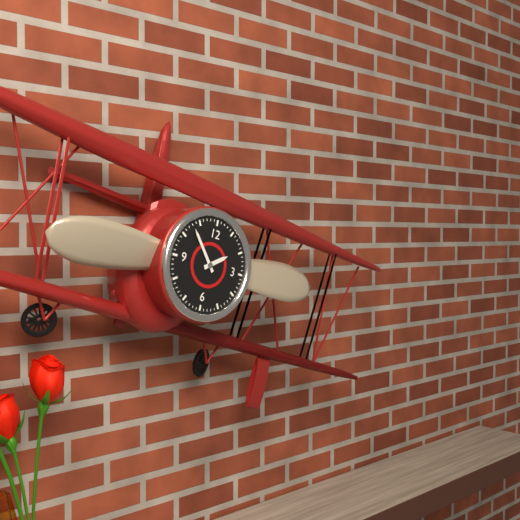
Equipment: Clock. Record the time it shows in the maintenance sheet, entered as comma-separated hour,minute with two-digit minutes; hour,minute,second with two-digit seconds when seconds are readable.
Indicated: 1,53
